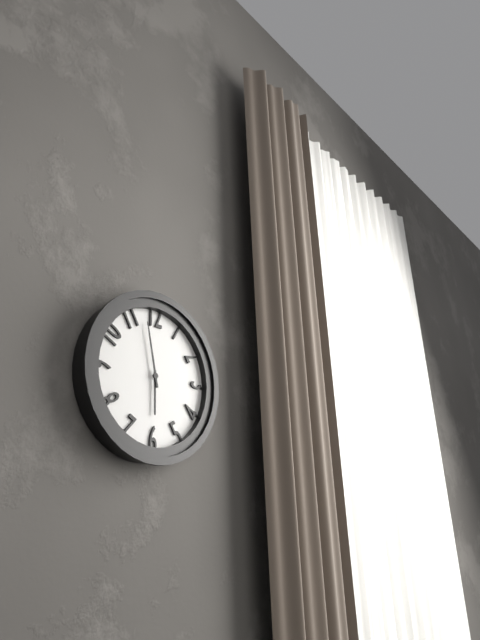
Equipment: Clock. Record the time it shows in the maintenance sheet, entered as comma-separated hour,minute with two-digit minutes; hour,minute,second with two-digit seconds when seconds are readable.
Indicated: 5,58
